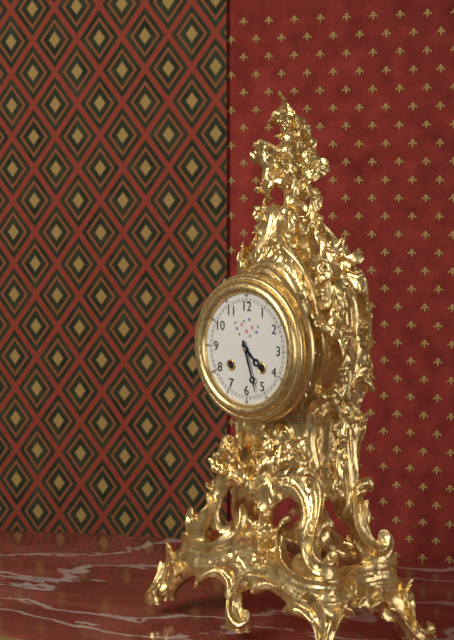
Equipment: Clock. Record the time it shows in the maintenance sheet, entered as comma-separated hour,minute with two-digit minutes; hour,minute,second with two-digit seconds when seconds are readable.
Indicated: 4,27
